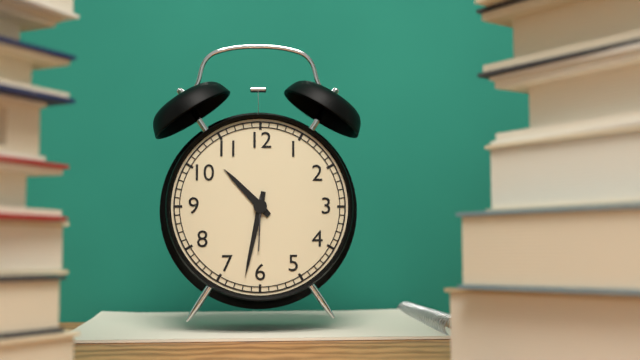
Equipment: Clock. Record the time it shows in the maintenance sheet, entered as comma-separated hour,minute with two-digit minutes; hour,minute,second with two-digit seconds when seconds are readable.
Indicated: 10,32
